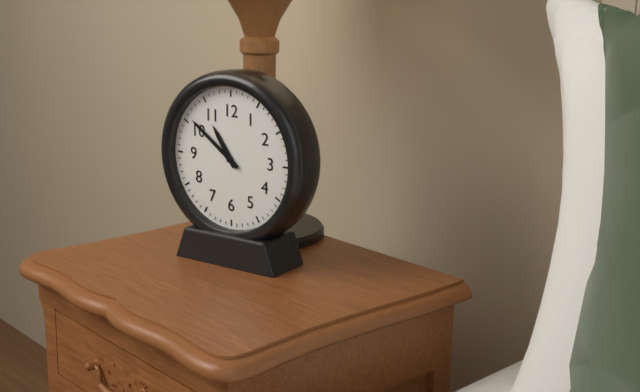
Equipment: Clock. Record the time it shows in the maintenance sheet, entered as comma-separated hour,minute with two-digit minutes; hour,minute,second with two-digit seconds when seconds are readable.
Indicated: 10,51
